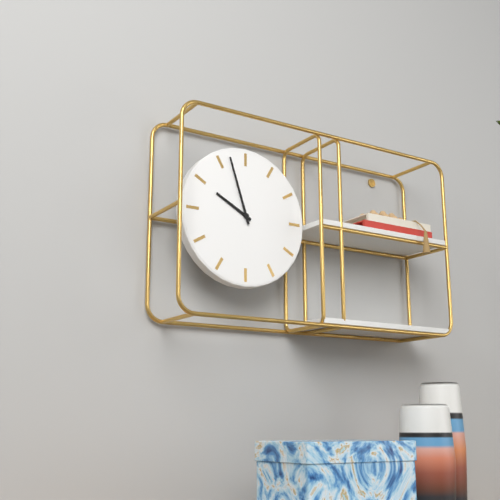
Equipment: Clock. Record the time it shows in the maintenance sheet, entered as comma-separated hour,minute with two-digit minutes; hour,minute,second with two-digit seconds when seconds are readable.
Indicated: 9,57
